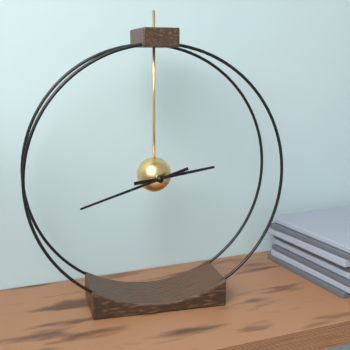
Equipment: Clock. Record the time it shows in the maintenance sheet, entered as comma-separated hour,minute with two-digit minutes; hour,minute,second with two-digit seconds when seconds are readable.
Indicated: 2,42
